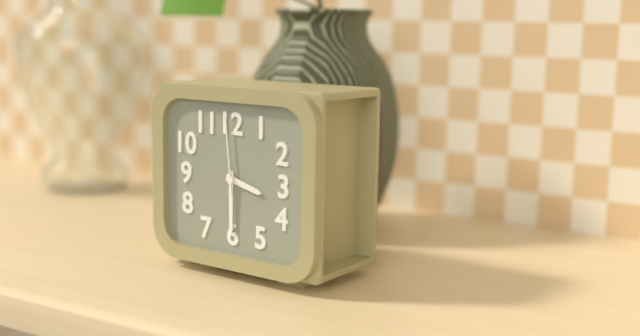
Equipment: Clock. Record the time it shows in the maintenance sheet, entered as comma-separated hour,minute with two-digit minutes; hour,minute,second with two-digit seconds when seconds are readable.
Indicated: 3,30,59
